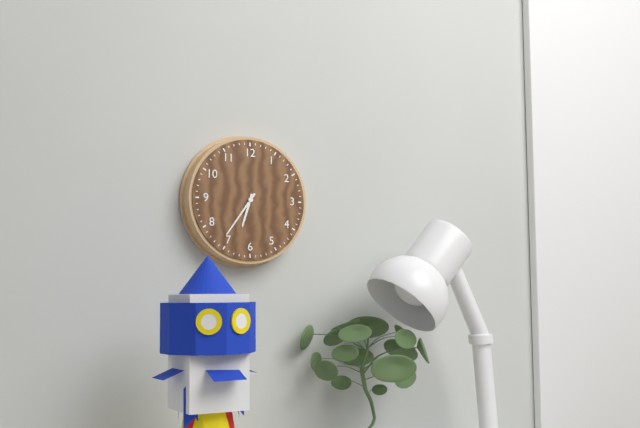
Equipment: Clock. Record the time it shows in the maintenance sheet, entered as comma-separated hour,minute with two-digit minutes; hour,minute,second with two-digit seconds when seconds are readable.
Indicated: 6,36
